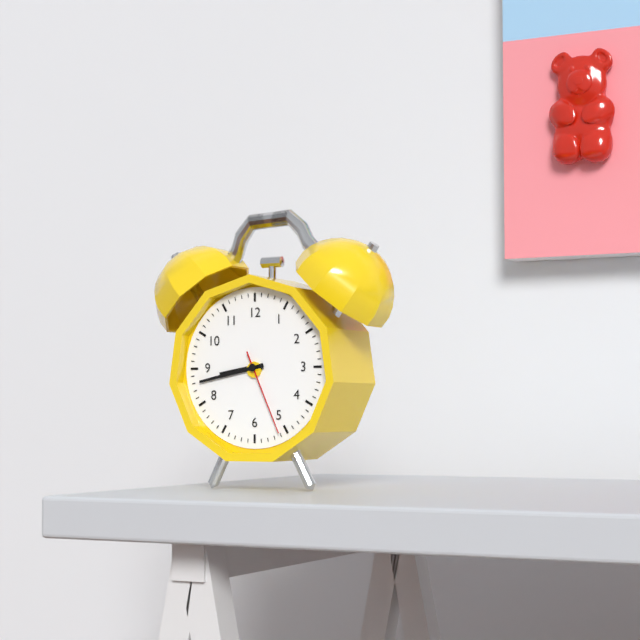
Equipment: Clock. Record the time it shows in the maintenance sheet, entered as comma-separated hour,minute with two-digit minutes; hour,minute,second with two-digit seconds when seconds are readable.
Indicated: 8,43,26
